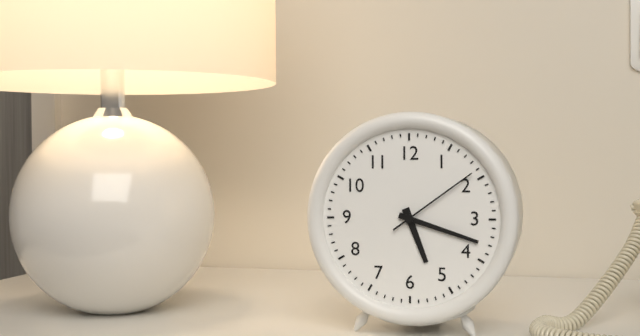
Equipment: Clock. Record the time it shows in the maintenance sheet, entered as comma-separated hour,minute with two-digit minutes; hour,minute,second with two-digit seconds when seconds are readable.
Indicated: 5,18,09
